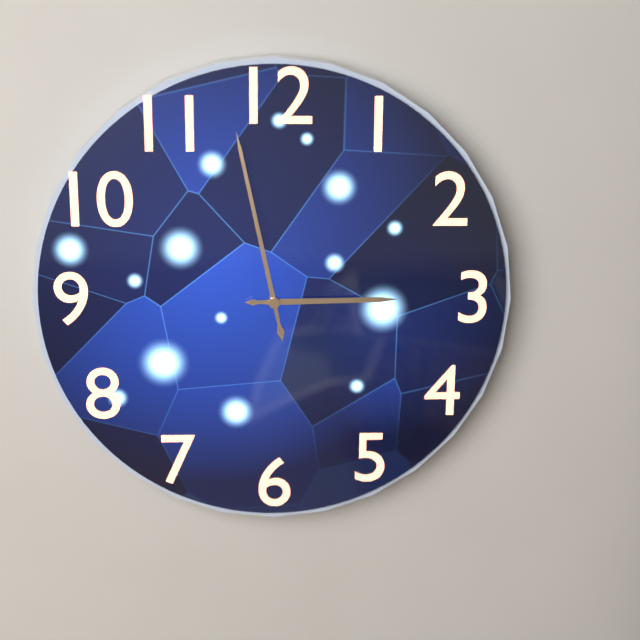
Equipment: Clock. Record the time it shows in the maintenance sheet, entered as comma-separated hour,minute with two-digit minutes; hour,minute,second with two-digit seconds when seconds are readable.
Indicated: 2,58
